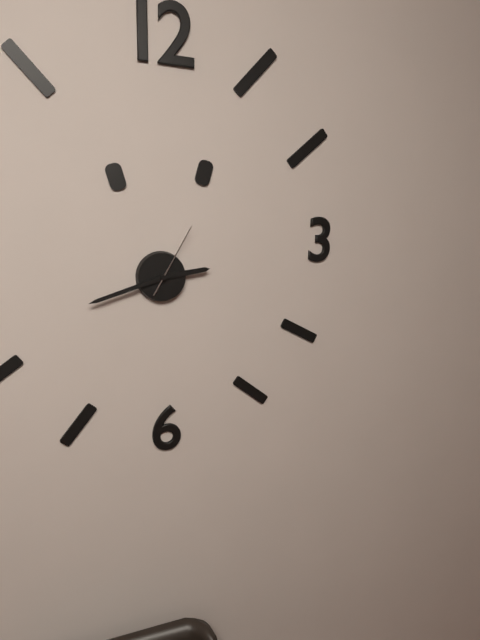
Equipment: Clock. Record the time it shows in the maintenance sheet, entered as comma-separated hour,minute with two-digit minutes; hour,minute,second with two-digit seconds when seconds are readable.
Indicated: 2,42,05
